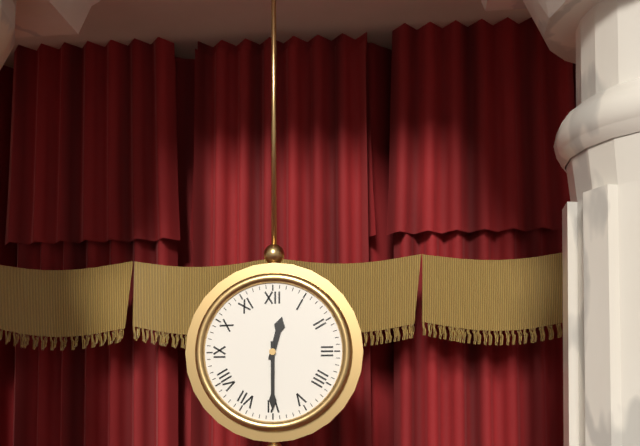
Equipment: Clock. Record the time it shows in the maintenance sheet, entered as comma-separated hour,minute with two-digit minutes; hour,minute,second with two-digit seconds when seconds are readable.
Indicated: 12,30
